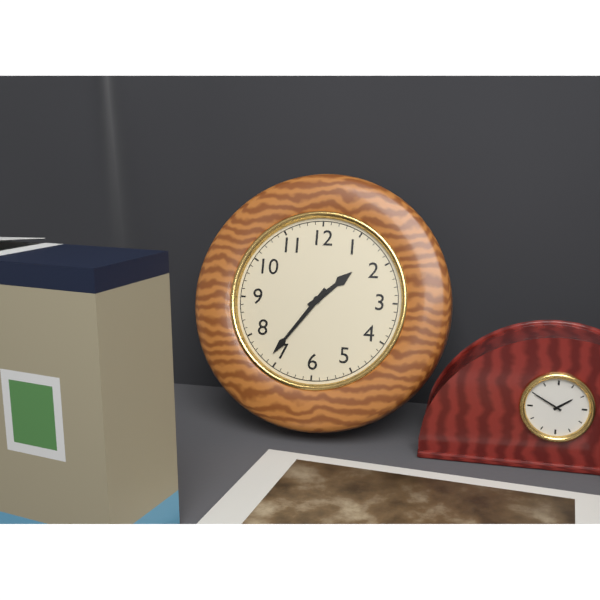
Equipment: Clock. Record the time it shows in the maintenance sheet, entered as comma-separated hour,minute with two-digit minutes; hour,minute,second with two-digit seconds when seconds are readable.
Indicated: 1,36
